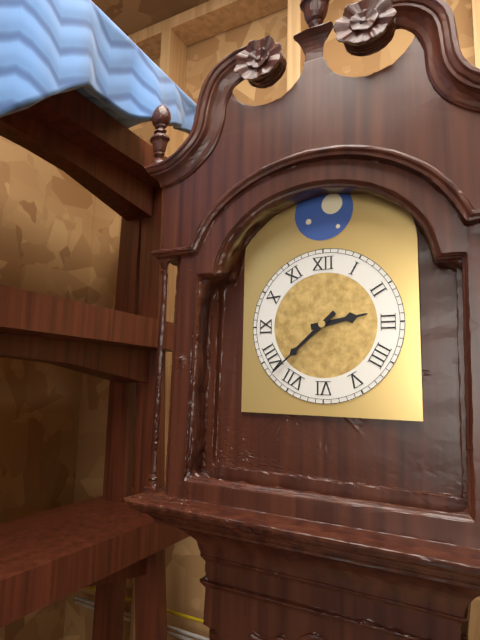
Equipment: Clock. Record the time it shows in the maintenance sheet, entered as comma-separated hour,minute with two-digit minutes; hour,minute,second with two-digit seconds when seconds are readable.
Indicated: 2,38
